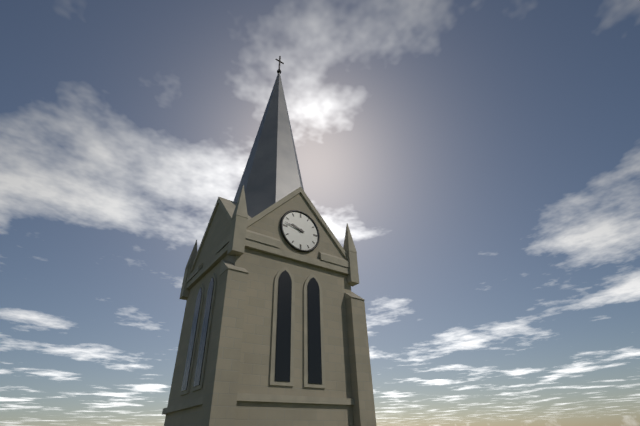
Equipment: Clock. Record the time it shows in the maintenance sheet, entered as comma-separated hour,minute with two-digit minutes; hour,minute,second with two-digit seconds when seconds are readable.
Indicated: 9,47
